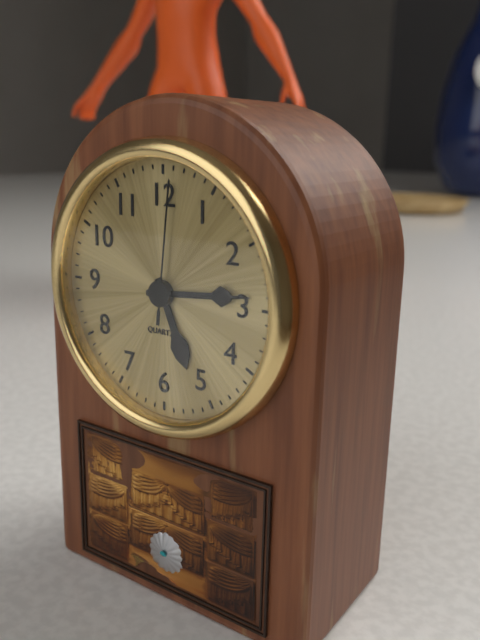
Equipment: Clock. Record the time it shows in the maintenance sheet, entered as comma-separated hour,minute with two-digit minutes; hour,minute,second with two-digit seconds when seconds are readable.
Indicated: 5,14,01
